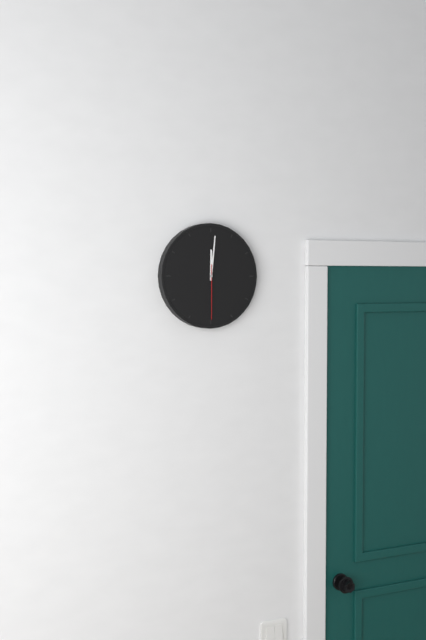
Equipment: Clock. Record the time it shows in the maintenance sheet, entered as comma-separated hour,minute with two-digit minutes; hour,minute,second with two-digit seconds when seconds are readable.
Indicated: 12,01,30
